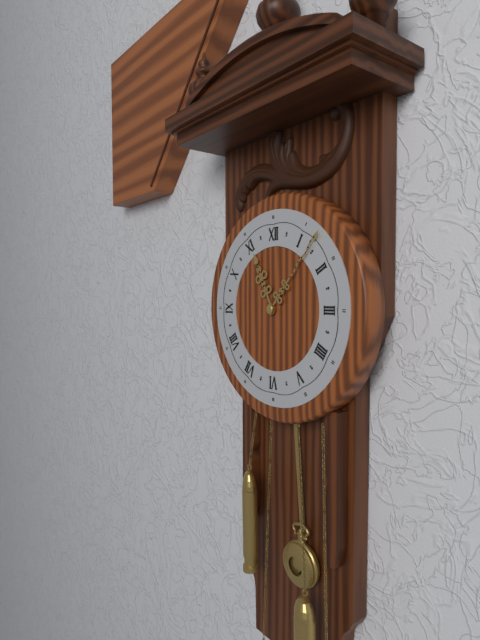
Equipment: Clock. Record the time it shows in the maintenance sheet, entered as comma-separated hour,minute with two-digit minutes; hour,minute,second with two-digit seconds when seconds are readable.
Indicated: 11,07
